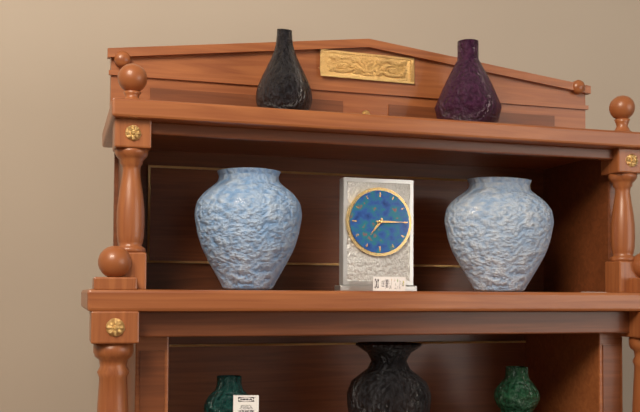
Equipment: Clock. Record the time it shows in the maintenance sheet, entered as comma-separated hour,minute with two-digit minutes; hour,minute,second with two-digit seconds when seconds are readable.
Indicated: 7,15
